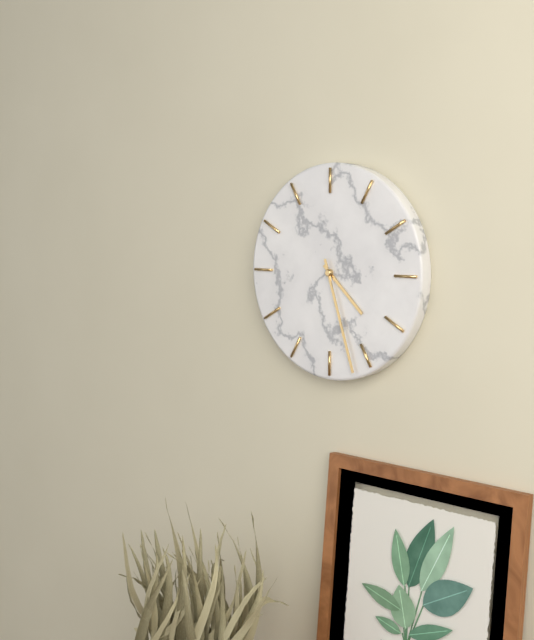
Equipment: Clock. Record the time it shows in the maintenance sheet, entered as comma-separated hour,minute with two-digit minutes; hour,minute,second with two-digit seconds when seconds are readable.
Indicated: 4,27
